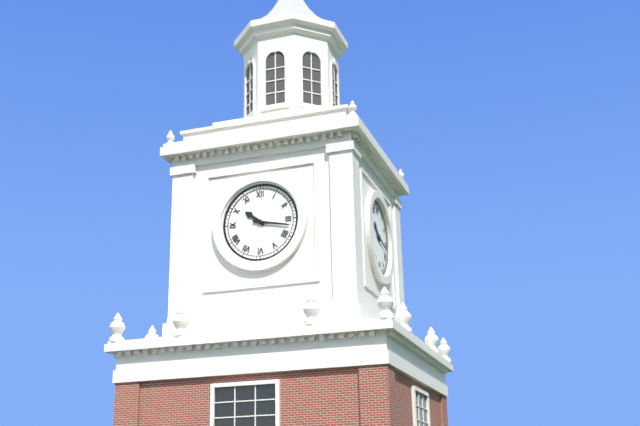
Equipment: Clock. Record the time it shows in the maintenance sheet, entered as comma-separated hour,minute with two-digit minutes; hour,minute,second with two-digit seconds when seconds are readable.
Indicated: 10,17
